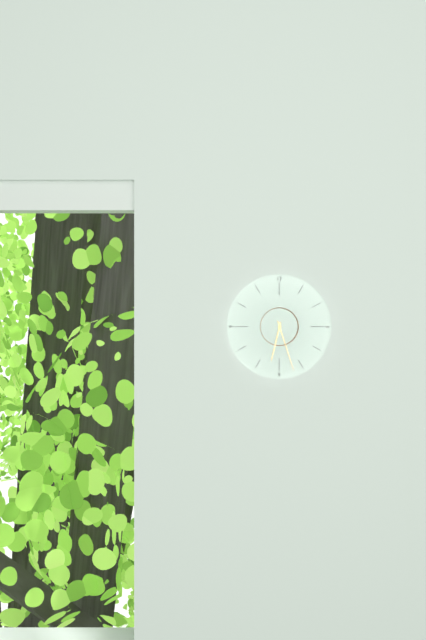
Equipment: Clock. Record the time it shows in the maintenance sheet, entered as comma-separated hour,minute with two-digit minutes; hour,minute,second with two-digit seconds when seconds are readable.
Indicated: 6,27
